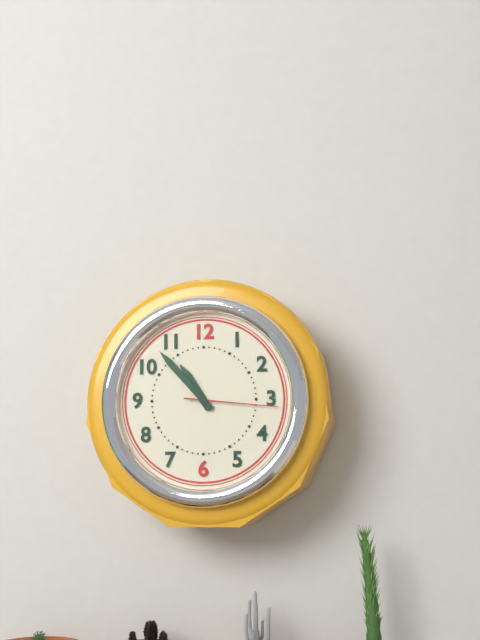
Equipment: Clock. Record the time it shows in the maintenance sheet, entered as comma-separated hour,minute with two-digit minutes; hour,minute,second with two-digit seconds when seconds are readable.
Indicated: 10,53,16
